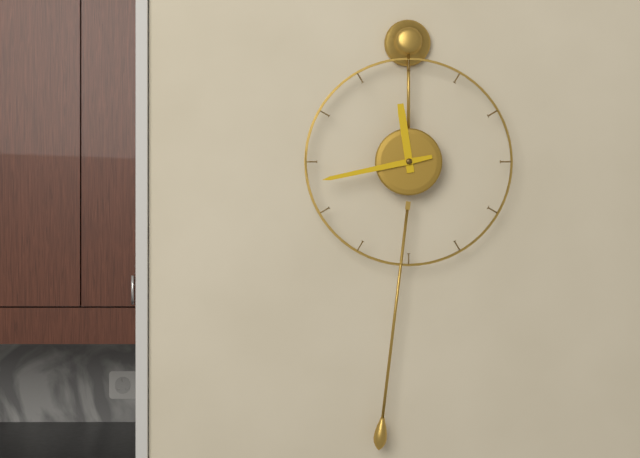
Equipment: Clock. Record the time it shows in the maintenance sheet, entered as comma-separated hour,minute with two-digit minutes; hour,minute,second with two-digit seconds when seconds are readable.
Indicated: 11,43
